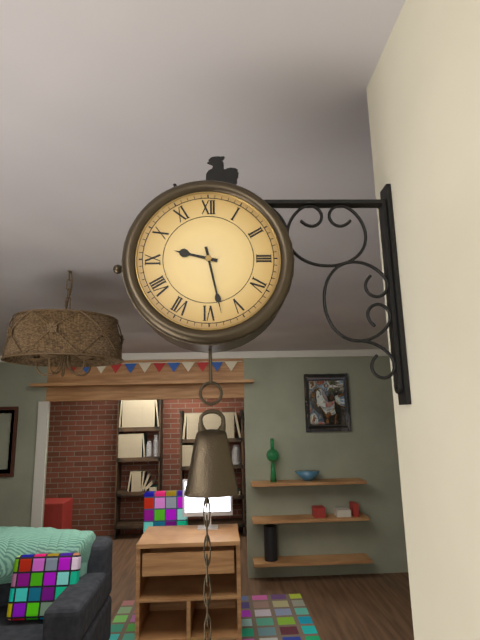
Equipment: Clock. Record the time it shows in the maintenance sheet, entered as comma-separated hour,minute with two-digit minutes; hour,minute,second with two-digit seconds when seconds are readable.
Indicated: 9,28
